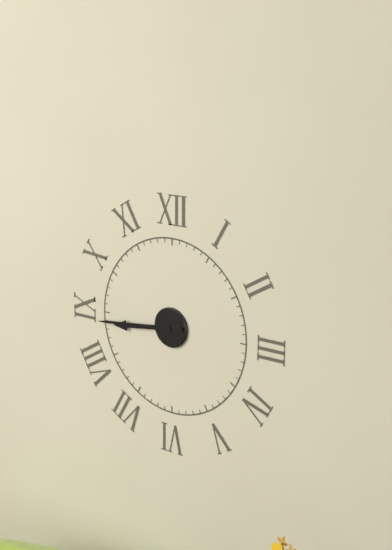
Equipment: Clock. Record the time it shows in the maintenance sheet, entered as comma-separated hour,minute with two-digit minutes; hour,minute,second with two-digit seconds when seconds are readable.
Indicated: 8,44
